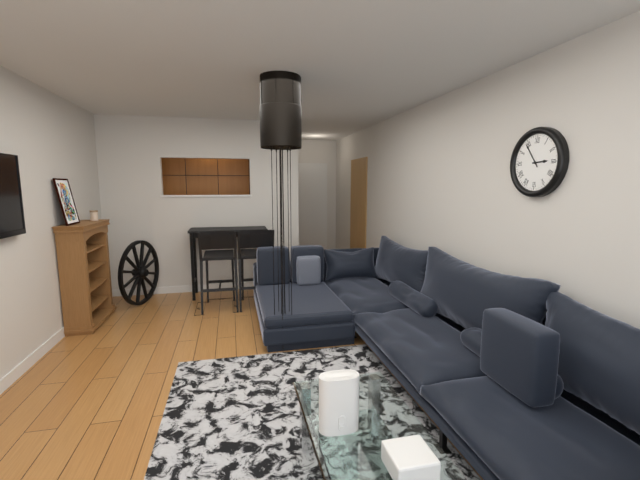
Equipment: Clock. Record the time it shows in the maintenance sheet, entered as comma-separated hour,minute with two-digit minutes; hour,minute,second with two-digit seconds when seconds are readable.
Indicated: 2,54
